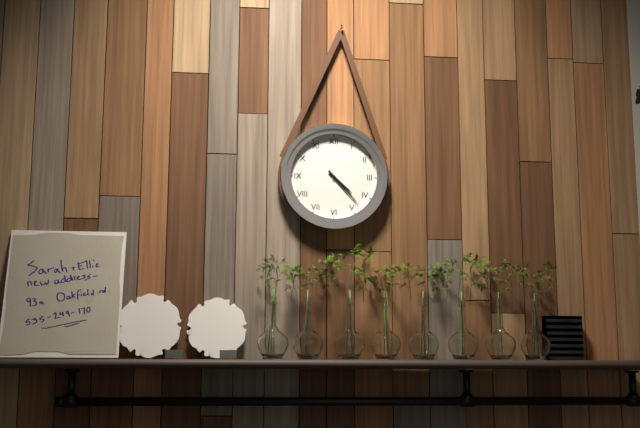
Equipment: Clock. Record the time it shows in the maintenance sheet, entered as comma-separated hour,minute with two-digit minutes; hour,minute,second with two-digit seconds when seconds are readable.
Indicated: 4,23
